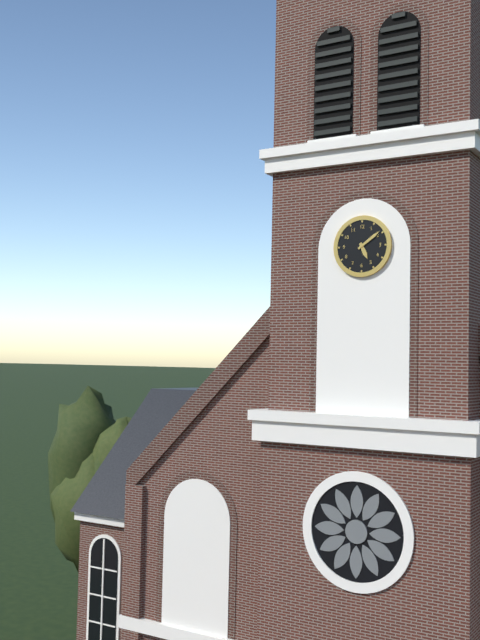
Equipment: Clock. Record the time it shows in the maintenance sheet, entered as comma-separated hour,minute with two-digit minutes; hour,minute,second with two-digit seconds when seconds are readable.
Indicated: 5,09
